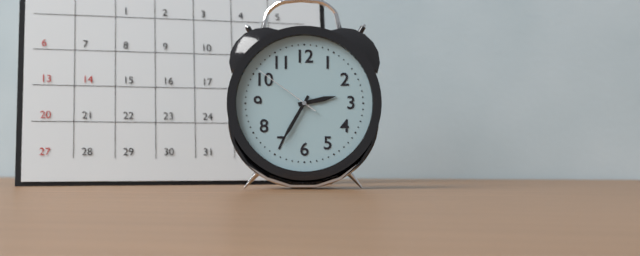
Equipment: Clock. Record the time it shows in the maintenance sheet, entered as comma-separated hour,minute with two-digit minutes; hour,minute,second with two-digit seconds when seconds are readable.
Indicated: 2,35,51
